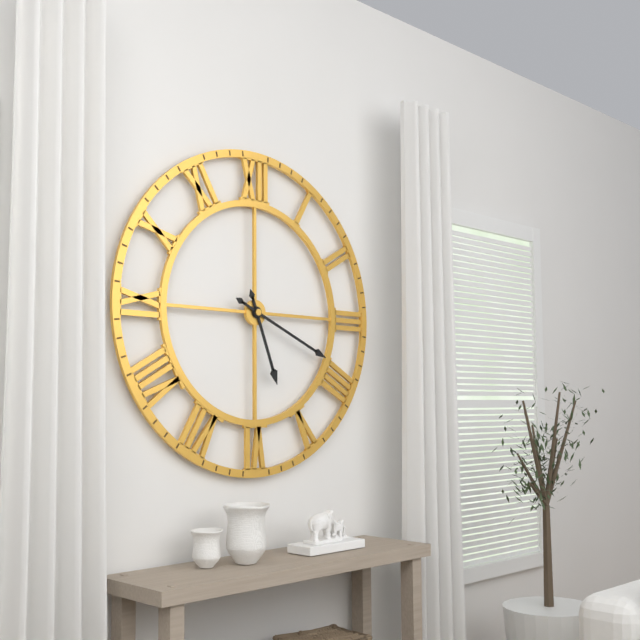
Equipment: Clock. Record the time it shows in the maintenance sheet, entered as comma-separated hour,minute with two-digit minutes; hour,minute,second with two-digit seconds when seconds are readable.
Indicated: 5,19
